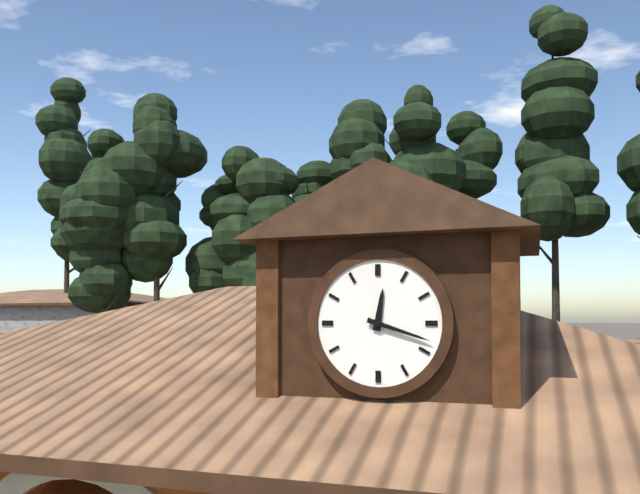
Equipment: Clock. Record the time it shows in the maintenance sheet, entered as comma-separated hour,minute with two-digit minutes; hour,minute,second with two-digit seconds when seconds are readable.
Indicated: 12,18
